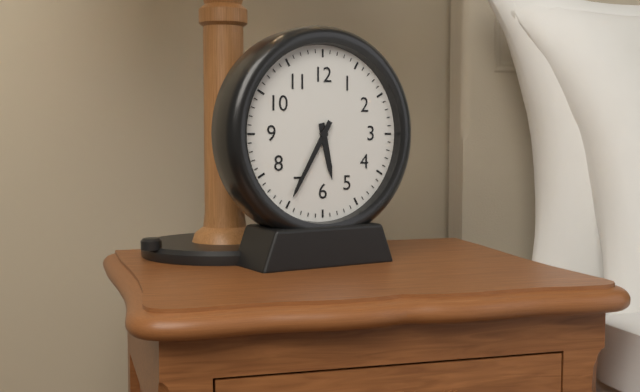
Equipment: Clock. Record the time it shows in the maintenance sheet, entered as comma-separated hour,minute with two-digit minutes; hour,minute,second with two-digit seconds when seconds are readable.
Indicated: 5,35
